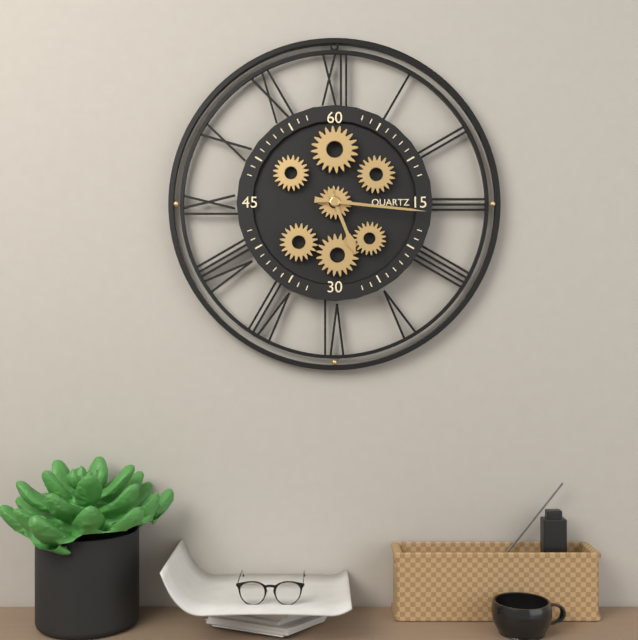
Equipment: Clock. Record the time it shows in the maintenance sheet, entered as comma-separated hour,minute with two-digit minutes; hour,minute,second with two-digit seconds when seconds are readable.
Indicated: 5,16
